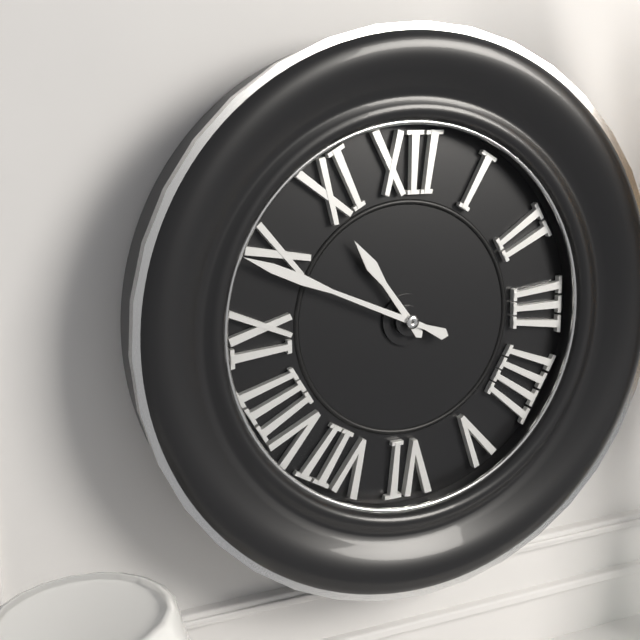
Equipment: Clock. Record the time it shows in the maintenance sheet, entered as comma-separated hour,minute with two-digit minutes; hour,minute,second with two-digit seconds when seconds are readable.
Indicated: 10,49
